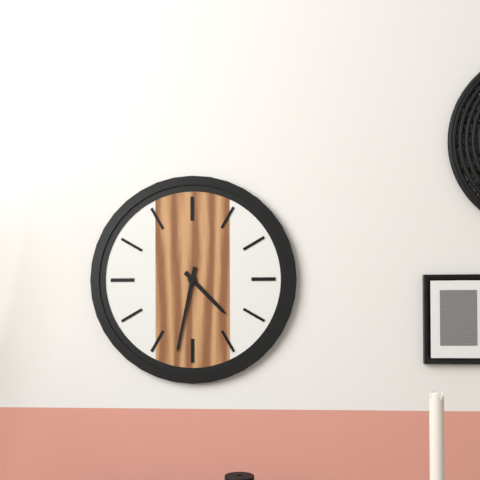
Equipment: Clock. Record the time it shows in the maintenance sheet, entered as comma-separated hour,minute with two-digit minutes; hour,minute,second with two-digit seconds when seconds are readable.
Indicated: 4,32
